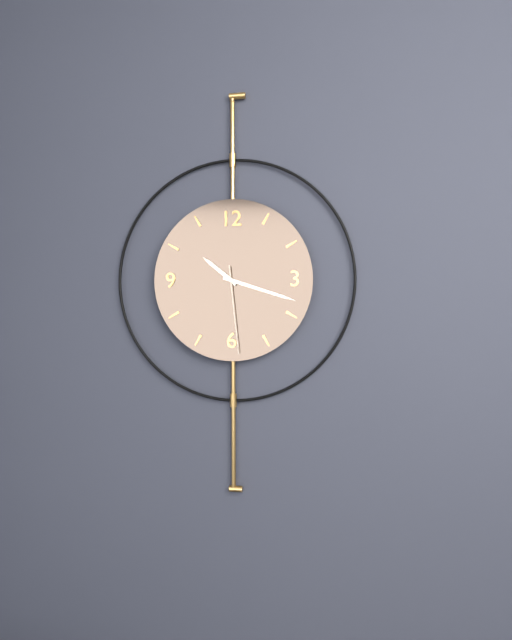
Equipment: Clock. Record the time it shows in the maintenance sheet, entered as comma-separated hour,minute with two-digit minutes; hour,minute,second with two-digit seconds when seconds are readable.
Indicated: 10,18,29
